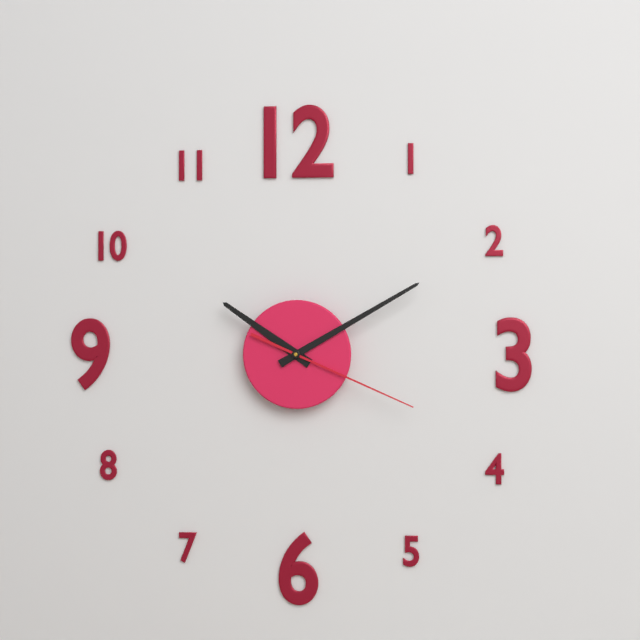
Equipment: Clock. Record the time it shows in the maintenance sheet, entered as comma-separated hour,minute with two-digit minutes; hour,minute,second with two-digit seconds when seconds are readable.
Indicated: 10,10,19
